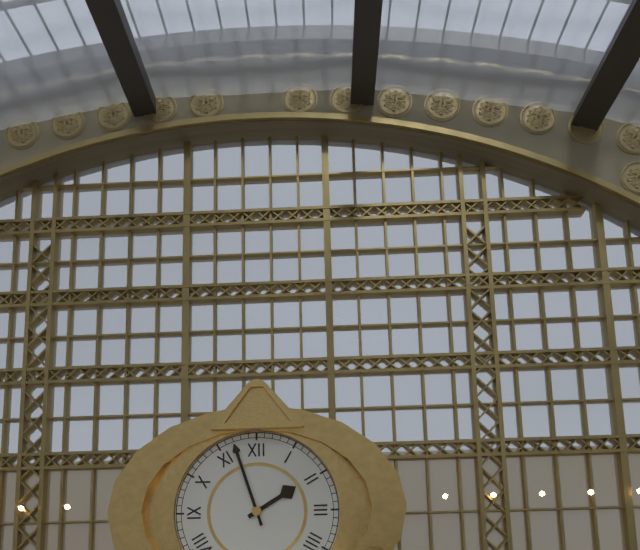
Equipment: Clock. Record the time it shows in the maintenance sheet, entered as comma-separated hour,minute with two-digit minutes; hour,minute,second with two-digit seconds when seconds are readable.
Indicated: 1,57
